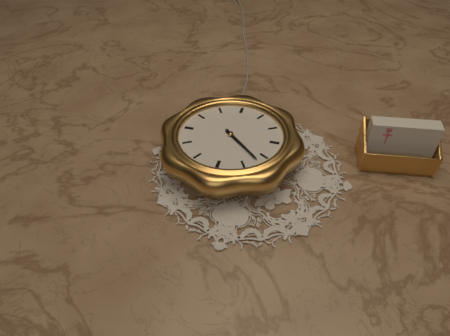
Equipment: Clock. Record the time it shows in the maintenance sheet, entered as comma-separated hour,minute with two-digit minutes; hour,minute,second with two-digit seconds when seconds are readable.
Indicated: 4,22
